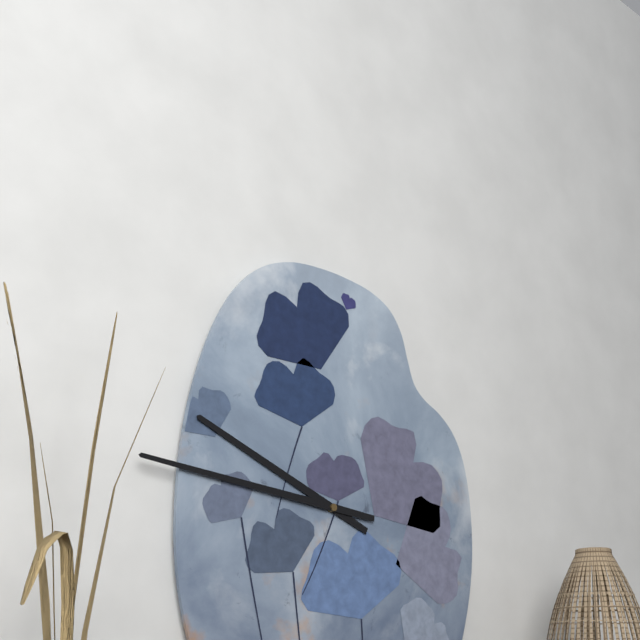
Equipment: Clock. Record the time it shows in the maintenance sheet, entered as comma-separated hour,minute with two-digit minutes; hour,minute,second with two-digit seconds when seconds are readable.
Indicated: 9,46
